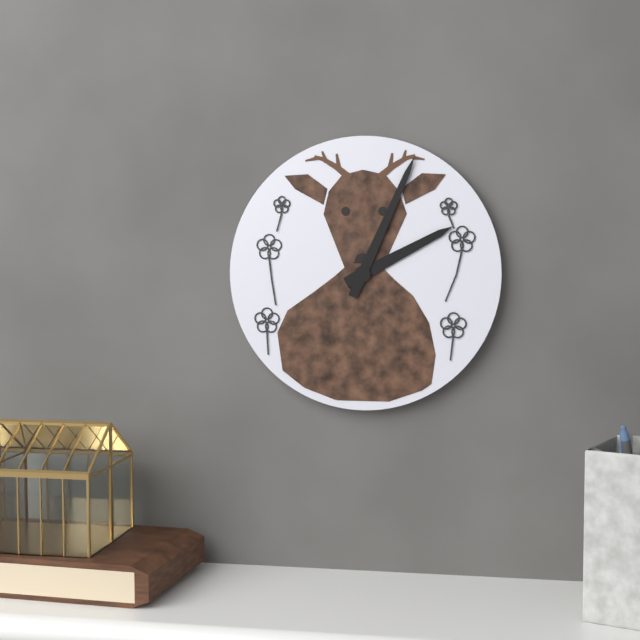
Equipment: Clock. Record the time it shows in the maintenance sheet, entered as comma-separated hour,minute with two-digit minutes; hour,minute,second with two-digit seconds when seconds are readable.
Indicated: 2,04
